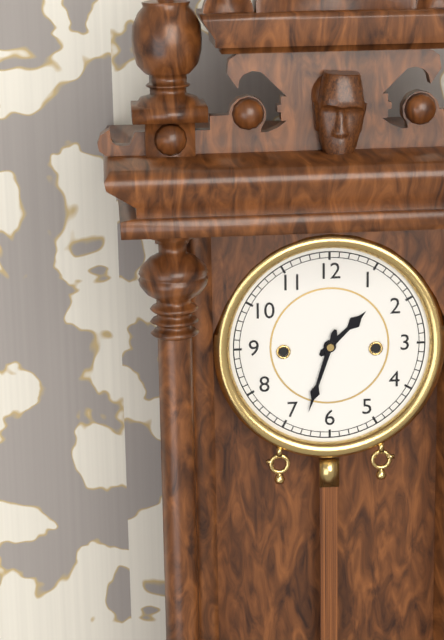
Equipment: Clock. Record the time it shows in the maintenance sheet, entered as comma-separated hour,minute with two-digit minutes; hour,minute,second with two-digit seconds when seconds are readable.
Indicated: 1,33
